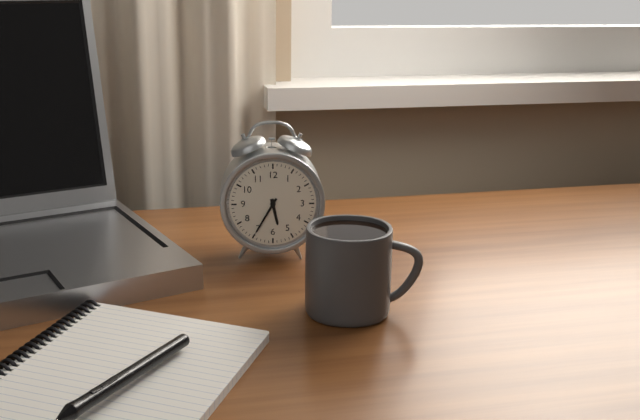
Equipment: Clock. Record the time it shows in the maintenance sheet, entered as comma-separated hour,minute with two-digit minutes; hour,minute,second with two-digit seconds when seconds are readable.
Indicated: 5,35
